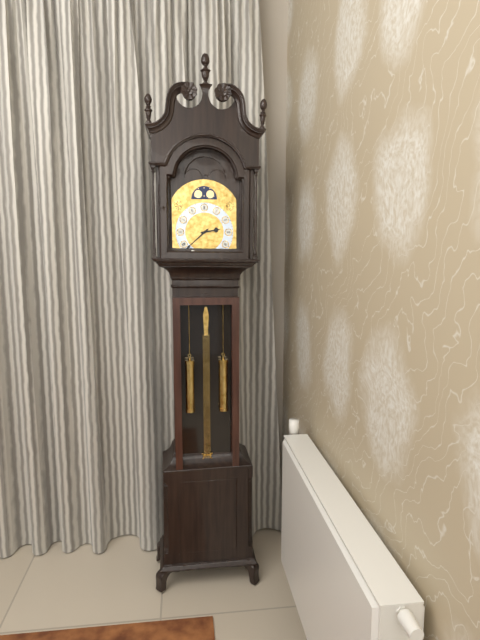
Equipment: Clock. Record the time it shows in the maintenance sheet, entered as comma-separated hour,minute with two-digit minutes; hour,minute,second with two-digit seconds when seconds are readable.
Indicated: 2,38
